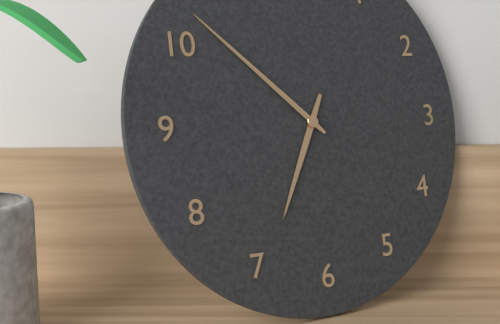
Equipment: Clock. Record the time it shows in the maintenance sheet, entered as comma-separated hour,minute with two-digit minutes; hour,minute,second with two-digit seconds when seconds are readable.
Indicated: 6,52
